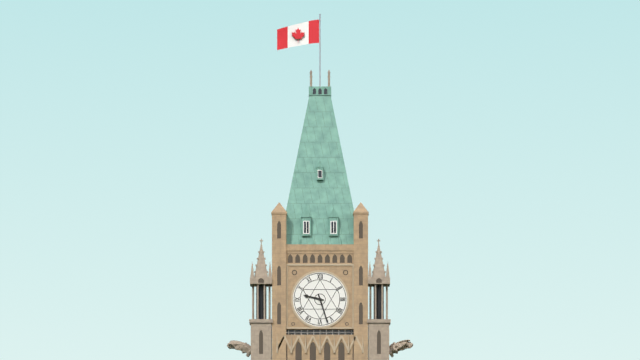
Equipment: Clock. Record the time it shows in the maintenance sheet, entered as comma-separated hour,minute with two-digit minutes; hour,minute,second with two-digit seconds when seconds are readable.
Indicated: 9,27
